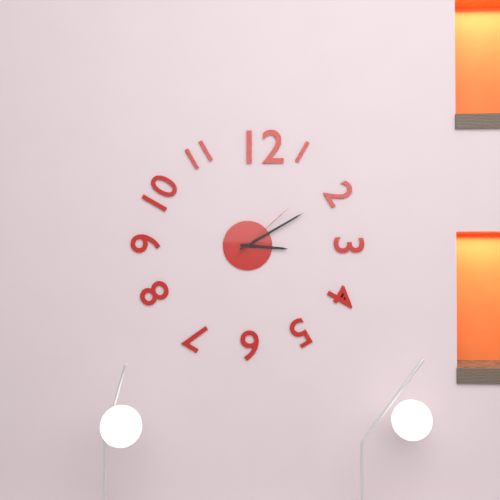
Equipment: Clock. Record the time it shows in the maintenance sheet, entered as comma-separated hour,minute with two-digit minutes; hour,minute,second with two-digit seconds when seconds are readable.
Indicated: 3,10,08
